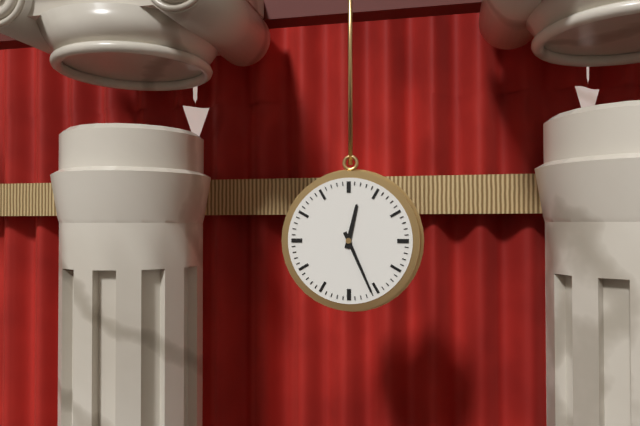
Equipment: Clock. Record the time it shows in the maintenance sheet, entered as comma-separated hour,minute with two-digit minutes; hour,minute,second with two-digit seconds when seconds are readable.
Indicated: 12,26
